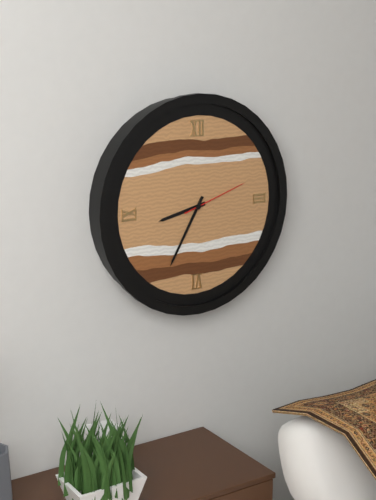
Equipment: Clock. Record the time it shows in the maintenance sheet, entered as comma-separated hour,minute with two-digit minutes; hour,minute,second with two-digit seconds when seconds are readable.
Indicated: 8,35,12
